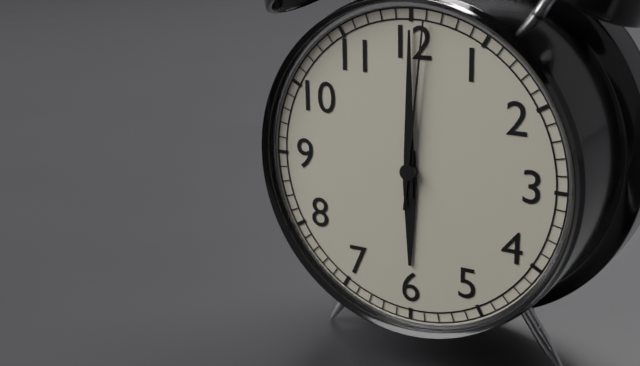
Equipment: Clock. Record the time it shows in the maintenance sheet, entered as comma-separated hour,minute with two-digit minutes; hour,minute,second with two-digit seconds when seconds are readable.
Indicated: 6,00,01
